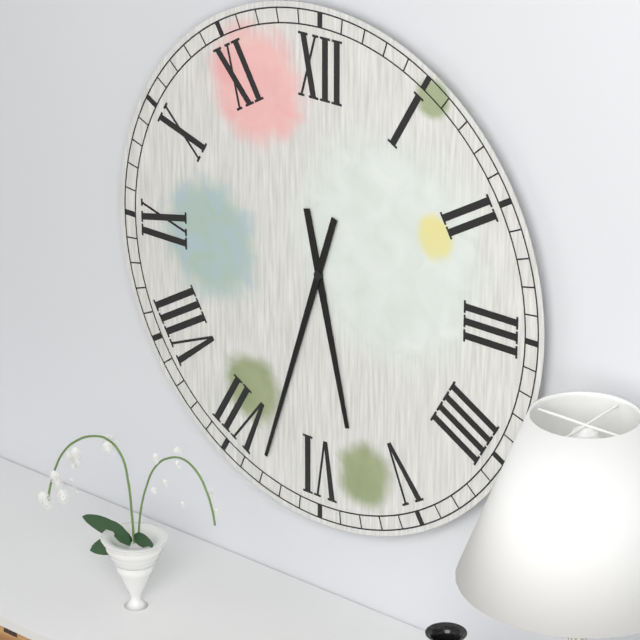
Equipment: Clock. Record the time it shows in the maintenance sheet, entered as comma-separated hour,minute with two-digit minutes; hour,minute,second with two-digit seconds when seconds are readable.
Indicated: 5,33
